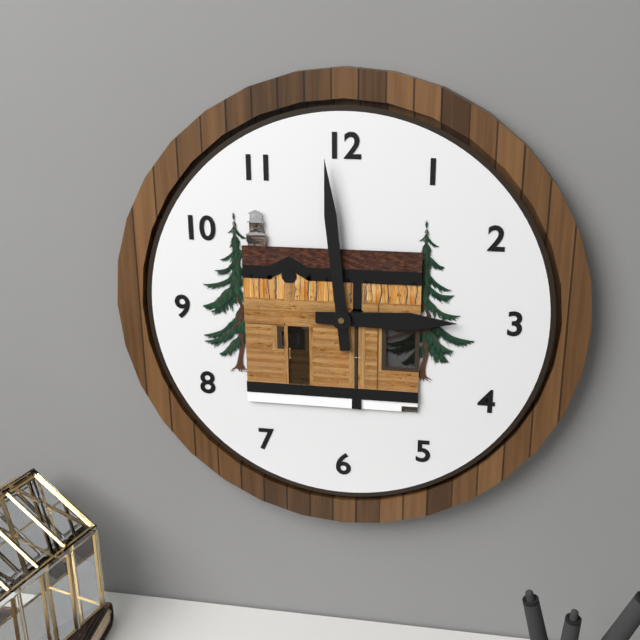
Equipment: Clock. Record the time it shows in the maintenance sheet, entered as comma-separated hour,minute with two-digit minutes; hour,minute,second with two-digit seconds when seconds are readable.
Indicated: 2,59
